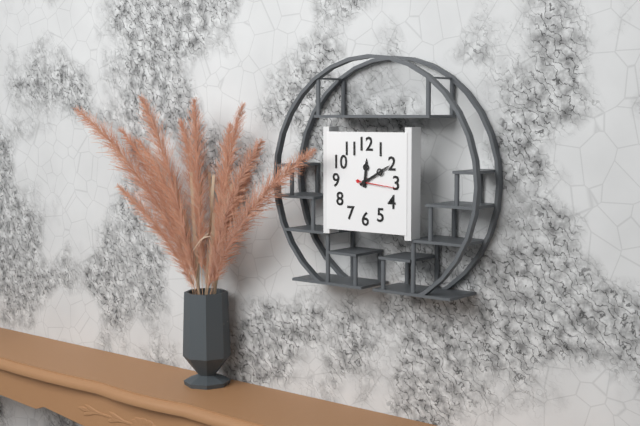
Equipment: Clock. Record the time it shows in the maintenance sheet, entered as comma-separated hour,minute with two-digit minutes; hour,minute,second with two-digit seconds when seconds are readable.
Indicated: 12,10
